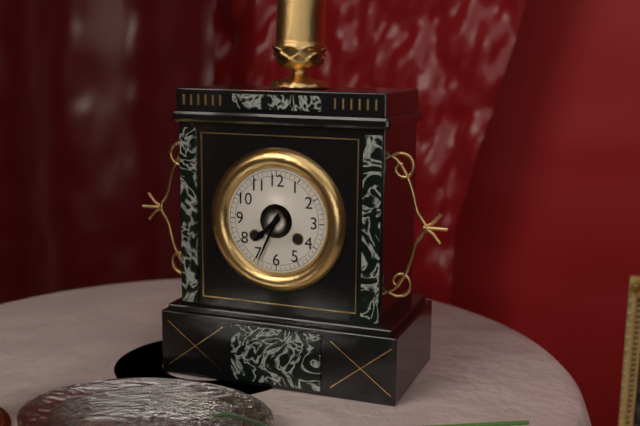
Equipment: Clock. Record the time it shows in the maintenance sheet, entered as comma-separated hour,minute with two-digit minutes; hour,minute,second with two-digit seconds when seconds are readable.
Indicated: 7,34
